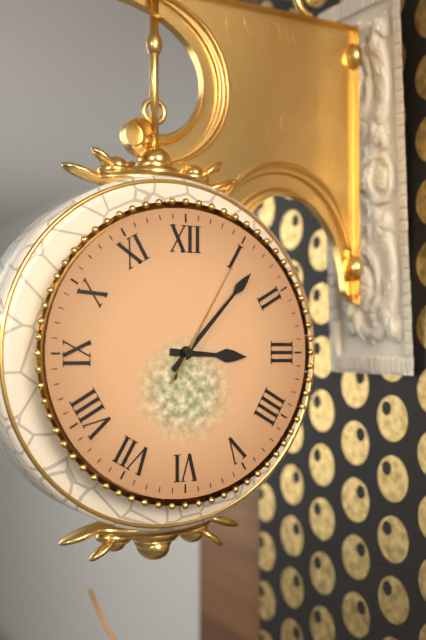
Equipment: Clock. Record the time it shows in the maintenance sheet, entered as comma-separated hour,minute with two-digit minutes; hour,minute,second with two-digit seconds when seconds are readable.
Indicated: 3,07,05
